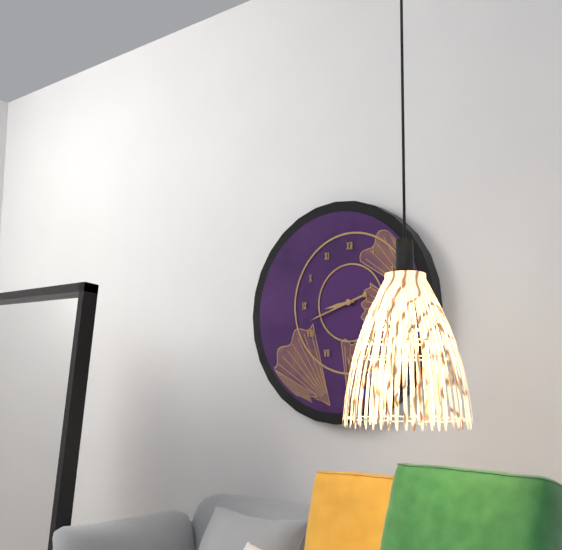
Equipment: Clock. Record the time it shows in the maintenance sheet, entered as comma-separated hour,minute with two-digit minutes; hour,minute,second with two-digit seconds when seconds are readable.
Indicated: 8,42
